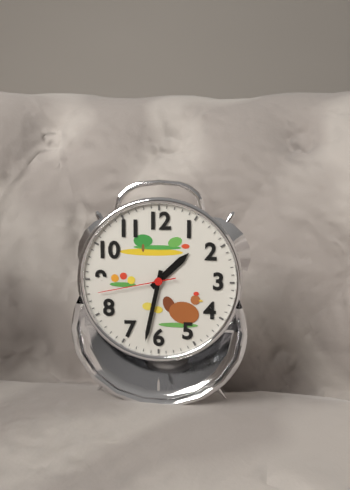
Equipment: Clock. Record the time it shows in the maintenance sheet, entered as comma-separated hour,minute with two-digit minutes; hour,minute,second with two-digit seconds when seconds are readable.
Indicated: 1,32,43
